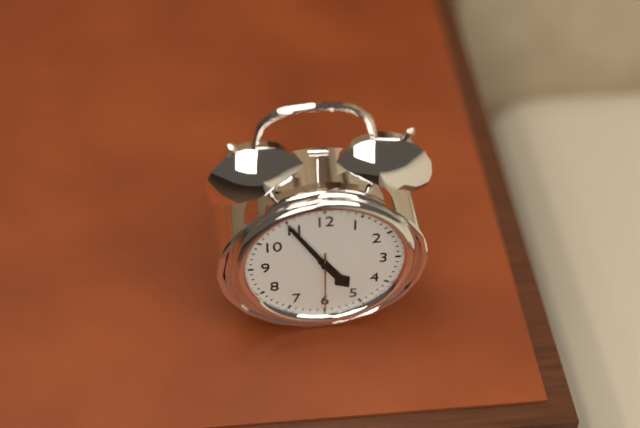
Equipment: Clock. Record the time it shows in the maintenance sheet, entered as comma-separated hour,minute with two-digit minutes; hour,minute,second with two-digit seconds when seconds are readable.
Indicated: 4,55,30
